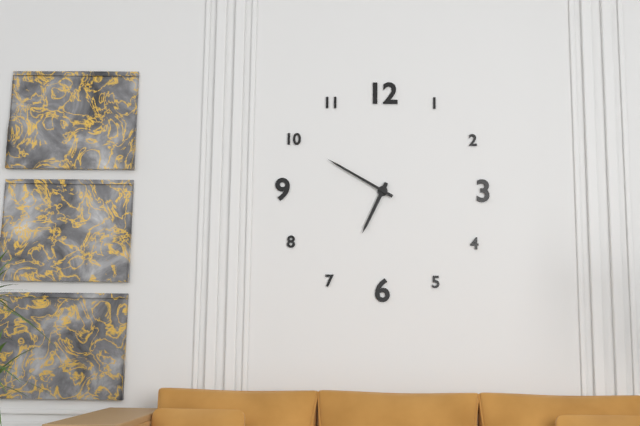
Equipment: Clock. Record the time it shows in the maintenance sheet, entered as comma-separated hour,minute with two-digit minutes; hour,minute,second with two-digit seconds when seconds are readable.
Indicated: 6,50
